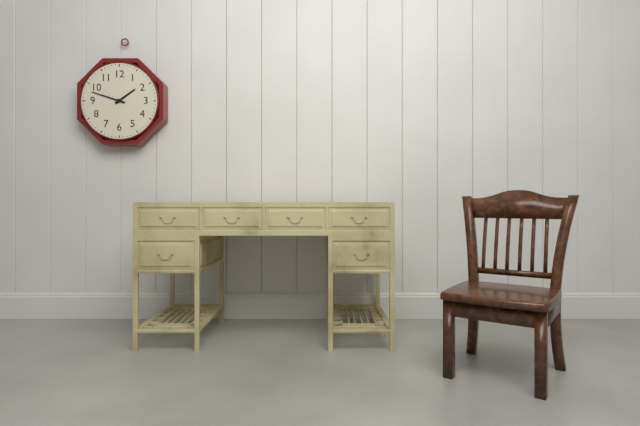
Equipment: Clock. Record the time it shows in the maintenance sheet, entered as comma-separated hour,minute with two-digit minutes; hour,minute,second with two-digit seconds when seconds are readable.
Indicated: 1,48
